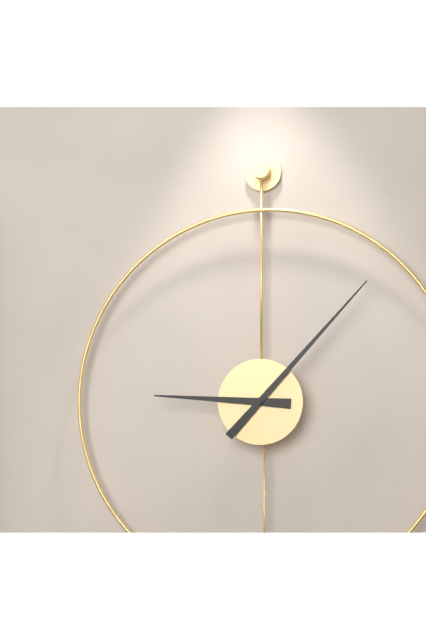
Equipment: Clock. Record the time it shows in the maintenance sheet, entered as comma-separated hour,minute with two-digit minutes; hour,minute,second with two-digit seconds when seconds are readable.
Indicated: 9,07
